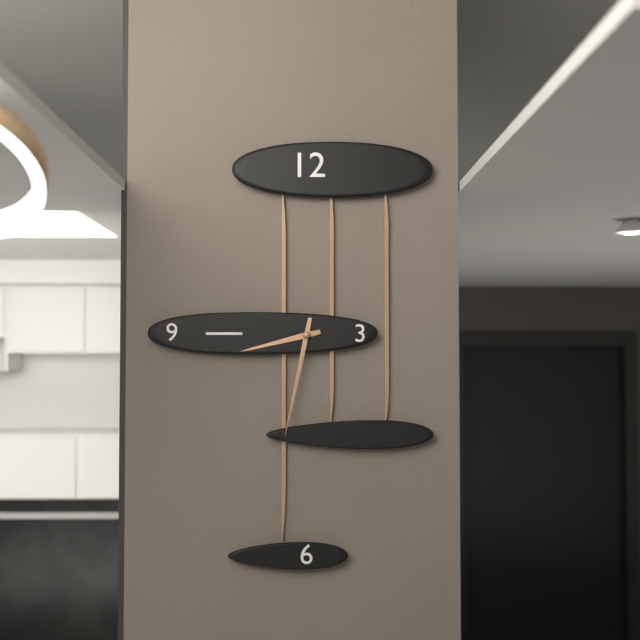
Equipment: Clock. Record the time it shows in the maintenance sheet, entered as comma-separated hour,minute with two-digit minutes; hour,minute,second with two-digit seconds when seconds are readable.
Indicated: 8,32
